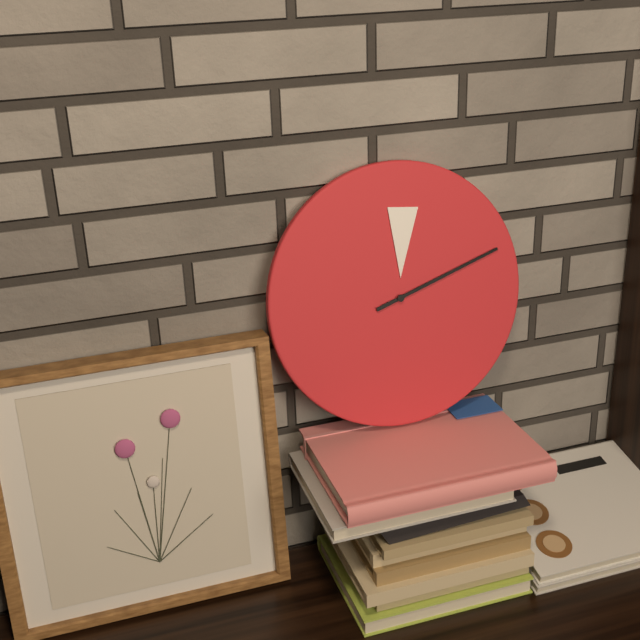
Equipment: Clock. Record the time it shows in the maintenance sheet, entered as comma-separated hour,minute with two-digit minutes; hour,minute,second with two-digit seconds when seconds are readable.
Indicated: 12,12
